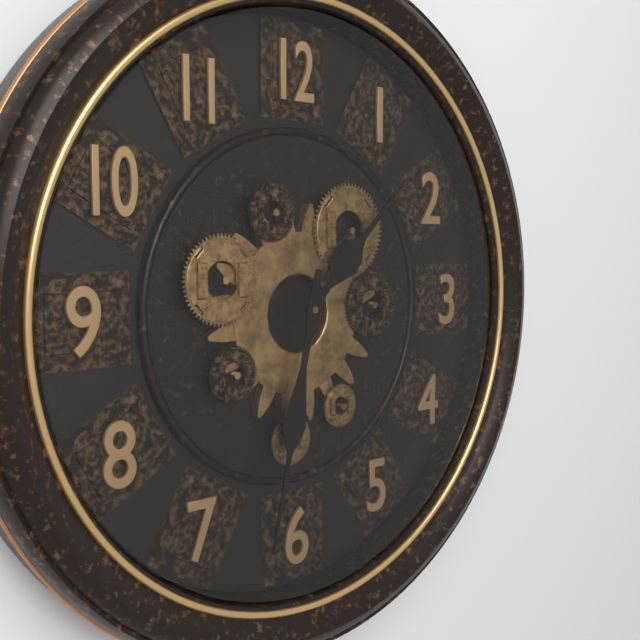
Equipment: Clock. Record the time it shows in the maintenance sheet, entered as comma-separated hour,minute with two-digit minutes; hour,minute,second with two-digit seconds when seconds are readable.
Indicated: 1,32
